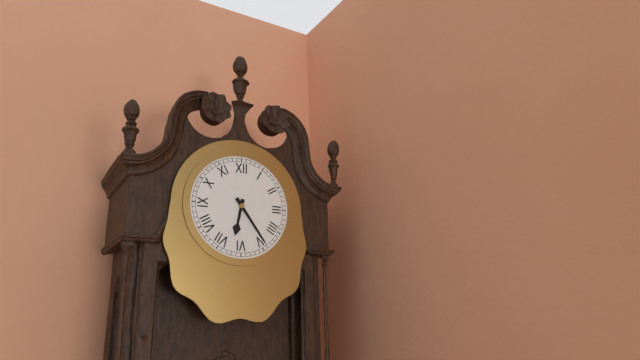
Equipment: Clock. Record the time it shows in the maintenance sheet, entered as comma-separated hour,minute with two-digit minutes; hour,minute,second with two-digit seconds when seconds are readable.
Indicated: 6,24
